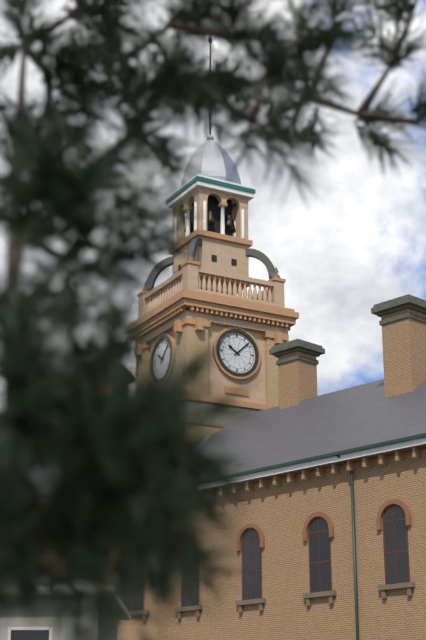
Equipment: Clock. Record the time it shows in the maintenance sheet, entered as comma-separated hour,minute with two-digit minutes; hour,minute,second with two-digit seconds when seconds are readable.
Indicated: 10,08
